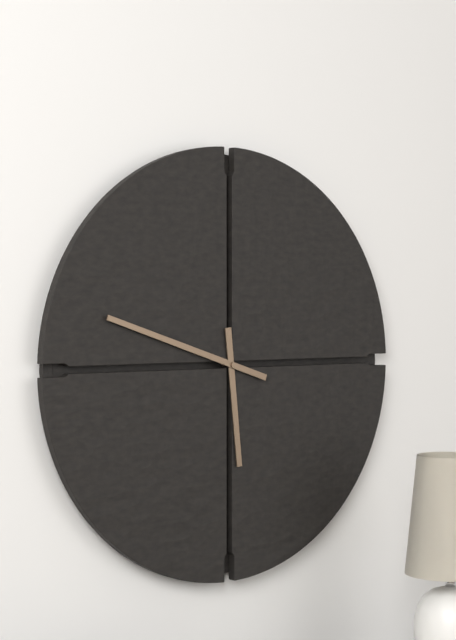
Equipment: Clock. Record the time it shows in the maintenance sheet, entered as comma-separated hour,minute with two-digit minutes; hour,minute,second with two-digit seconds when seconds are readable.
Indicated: 5,48
